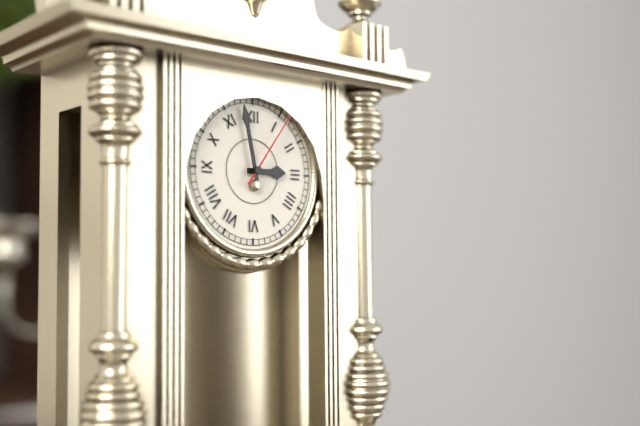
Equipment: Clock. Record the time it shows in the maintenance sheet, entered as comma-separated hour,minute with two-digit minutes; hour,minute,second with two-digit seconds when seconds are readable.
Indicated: 2,58,06
